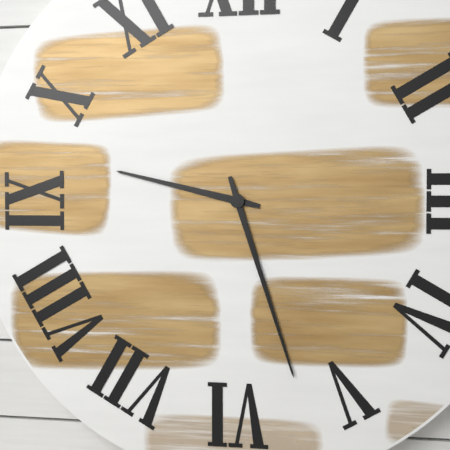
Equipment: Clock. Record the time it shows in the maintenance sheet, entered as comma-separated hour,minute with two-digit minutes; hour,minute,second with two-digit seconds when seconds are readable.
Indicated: 9,27
